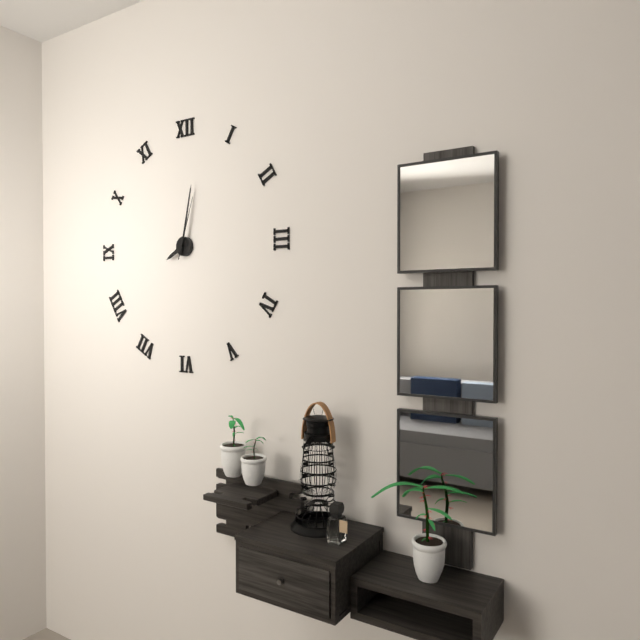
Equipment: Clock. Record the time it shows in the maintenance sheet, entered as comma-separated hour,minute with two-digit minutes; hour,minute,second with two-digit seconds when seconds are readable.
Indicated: 8,02,03
